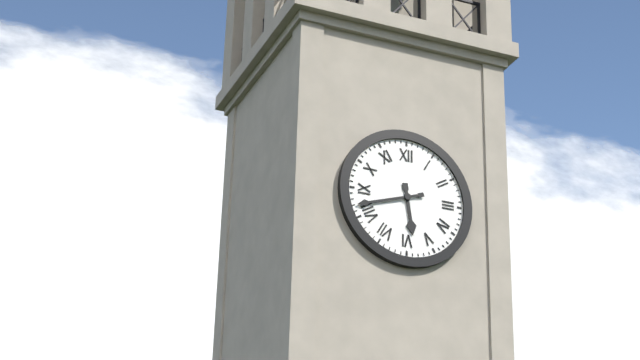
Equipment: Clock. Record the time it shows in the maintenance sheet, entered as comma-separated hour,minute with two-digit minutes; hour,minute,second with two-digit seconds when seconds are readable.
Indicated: 5,42
